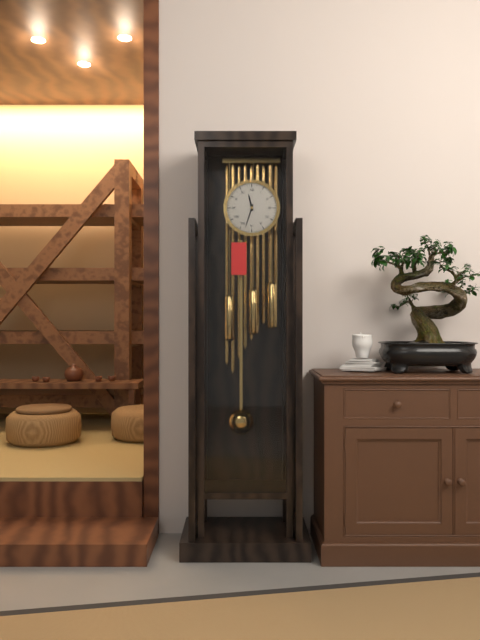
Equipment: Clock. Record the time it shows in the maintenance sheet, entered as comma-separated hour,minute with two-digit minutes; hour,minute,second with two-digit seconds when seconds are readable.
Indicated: 11,33
